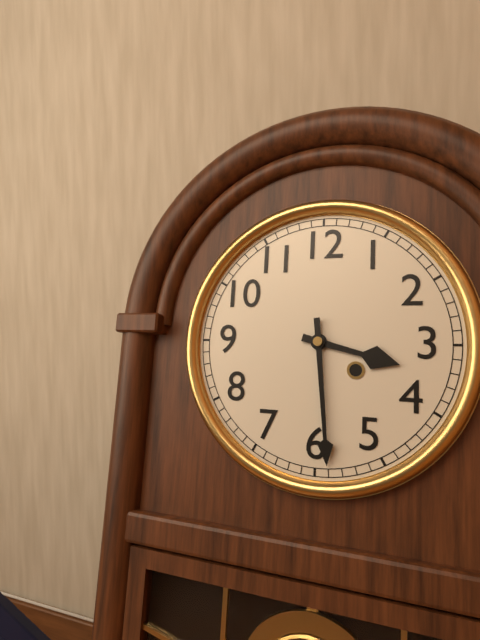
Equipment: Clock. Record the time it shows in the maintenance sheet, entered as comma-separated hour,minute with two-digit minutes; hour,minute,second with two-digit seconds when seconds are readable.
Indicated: 3,29
